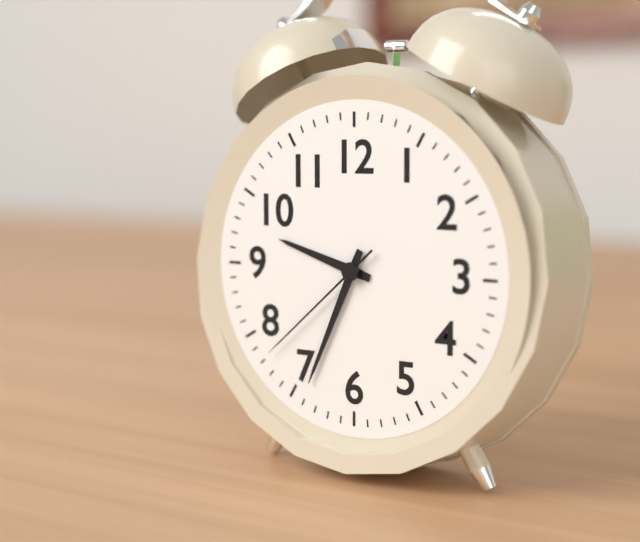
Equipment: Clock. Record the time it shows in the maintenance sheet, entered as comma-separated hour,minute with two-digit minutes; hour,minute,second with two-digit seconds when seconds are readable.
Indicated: 9,34,38
